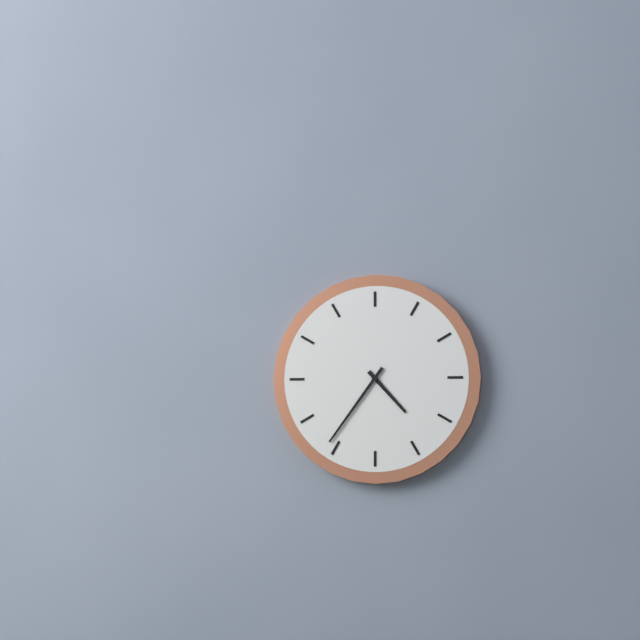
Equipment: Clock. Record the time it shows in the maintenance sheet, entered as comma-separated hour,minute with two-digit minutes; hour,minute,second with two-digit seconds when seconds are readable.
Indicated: 4,36
